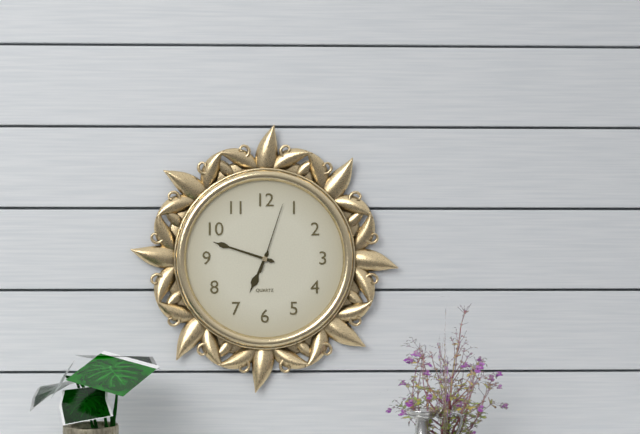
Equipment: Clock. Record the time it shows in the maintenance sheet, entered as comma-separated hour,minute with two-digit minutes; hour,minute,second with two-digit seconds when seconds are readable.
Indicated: 6,48,03
